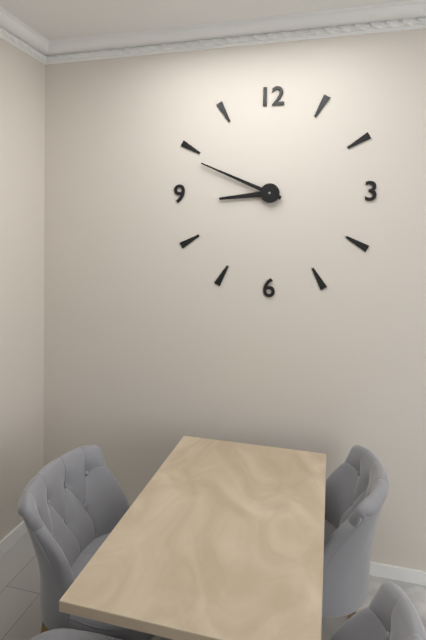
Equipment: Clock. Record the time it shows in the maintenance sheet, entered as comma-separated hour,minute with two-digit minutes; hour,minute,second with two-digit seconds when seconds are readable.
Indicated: 8,49
